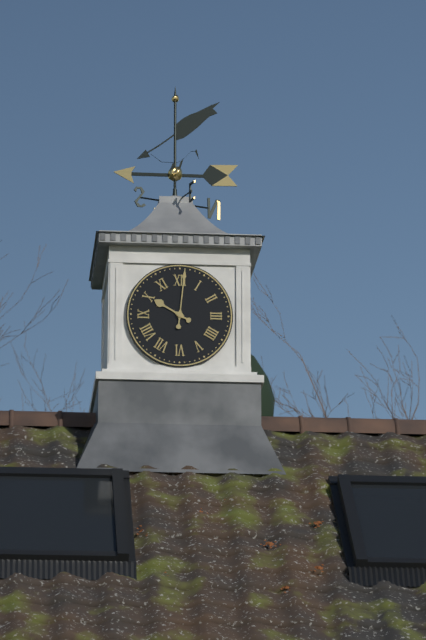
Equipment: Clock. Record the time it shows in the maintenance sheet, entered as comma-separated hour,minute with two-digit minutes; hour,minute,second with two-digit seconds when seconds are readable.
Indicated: 10,01
